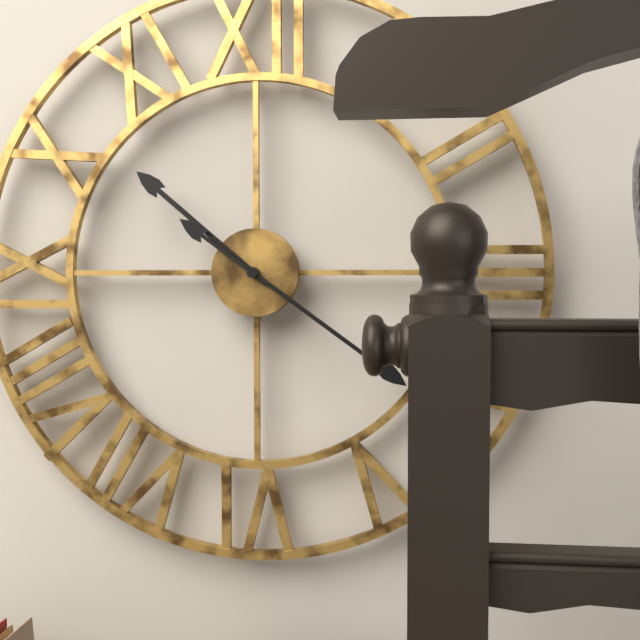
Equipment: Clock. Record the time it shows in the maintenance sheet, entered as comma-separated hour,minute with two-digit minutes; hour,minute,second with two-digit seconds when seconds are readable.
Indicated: 10,21
